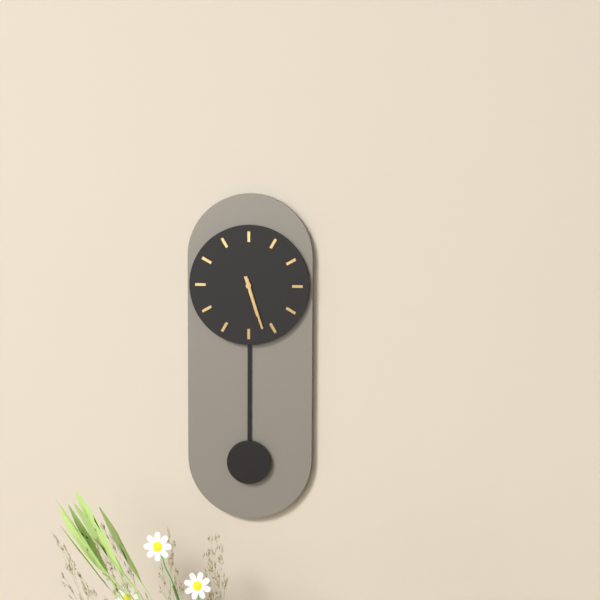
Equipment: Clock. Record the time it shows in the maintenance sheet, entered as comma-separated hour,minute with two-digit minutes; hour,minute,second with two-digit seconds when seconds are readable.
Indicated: 5,27
